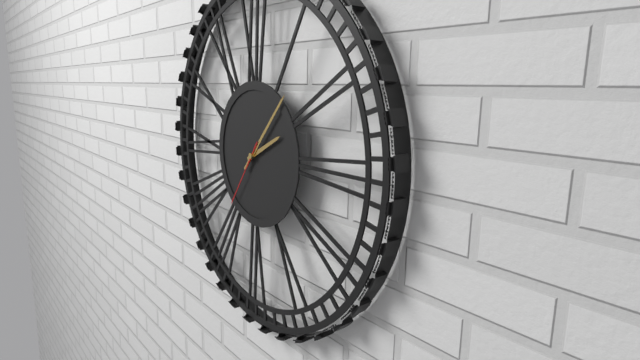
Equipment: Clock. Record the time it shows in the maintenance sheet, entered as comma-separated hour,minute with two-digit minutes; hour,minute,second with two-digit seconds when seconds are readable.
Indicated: 2,07,36
